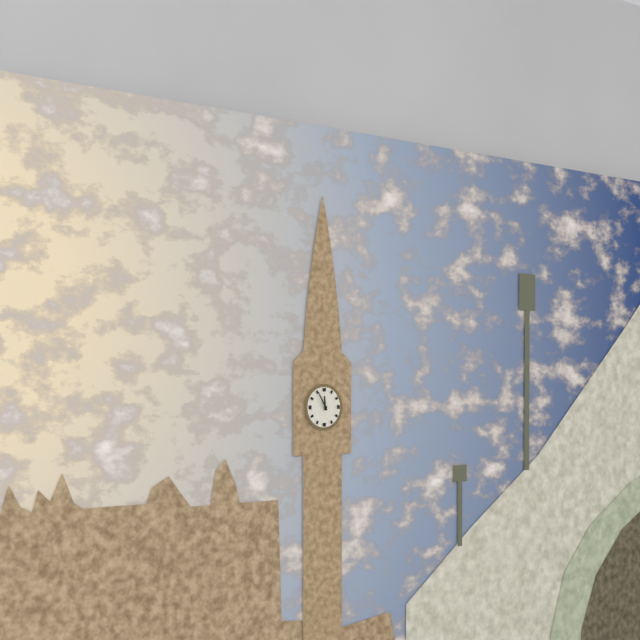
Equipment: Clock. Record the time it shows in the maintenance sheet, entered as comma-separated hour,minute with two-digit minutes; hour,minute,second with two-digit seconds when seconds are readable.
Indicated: 11,55
